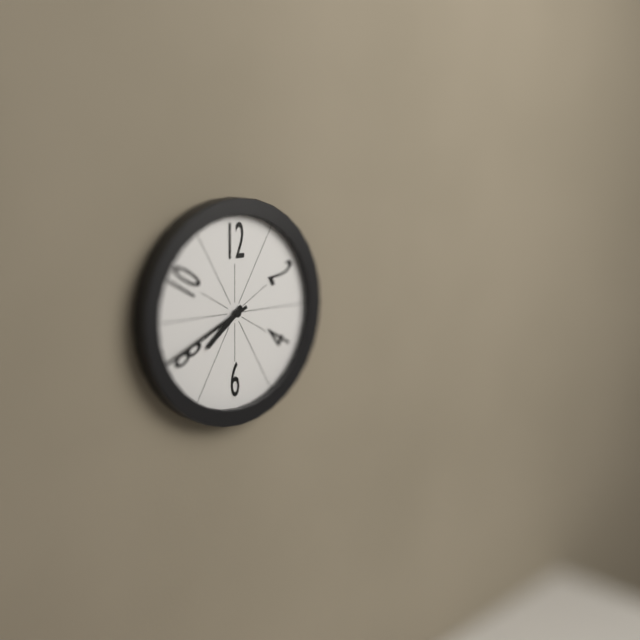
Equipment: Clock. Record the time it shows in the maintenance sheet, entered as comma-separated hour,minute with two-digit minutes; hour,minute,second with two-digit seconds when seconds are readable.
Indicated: 7,41
